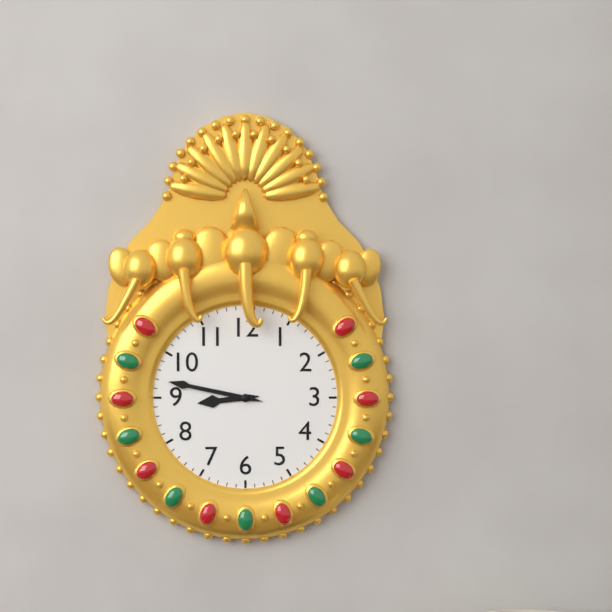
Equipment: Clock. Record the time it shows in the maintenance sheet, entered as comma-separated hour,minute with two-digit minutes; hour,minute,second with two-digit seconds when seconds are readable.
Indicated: 8,47
